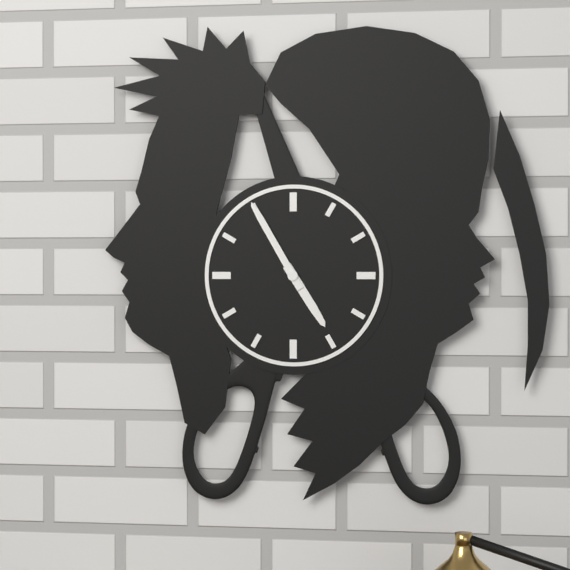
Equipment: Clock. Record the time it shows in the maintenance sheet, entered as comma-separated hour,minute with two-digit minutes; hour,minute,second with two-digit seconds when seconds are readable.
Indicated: 4,55
